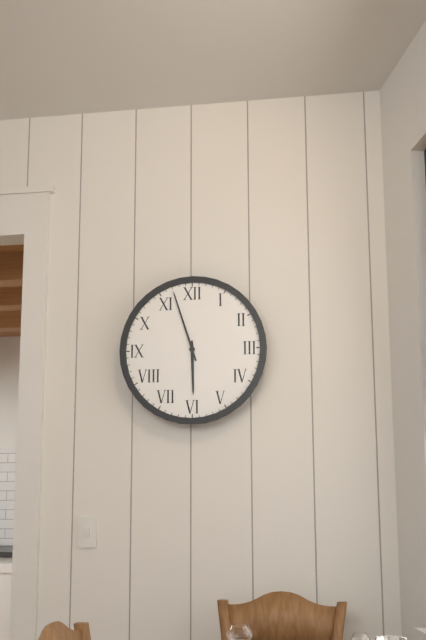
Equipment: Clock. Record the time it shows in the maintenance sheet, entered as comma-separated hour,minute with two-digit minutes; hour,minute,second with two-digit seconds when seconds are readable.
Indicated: 5,57
